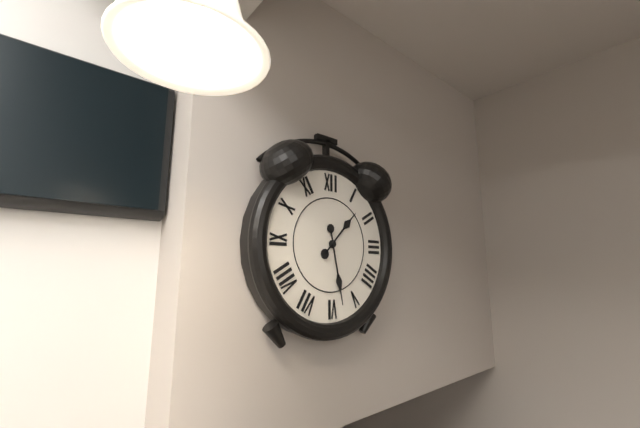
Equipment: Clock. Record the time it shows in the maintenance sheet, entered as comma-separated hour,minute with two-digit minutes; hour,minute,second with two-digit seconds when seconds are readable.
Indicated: 1,28
